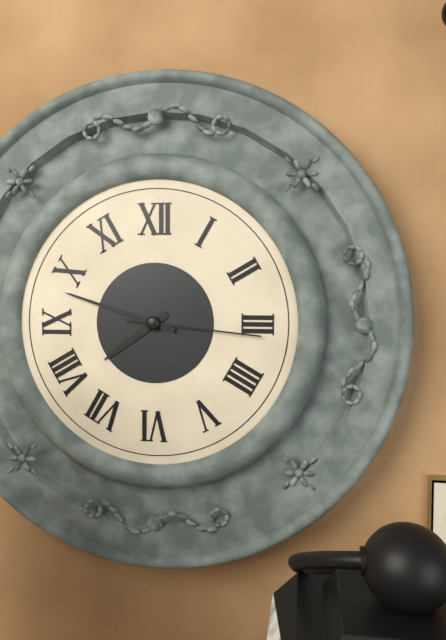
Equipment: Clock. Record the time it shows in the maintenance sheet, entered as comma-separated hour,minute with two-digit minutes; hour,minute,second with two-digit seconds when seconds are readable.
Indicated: 7,48,16
